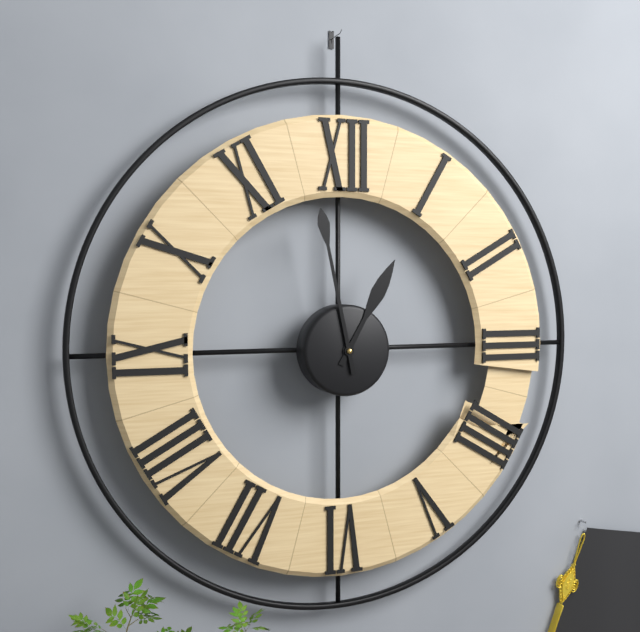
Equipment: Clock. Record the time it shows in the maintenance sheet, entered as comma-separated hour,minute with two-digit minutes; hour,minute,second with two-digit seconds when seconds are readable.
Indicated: 12,58
